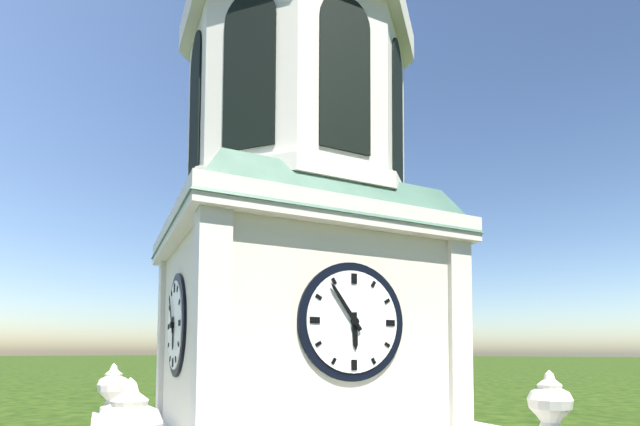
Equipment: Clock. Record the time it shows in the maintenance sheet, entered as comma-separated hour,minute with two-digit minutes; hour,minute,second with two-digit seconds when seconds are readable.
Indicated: 5,54
